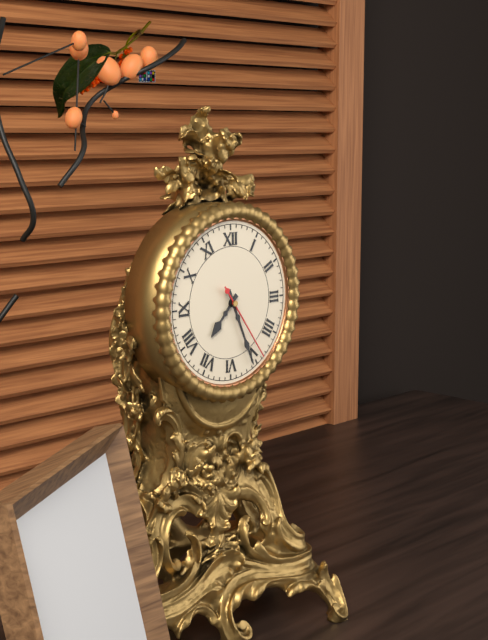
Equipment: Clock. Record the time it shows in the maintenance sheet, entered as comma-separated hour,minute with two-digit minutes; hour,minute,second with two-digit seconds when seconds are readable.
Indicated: 7,26,24
